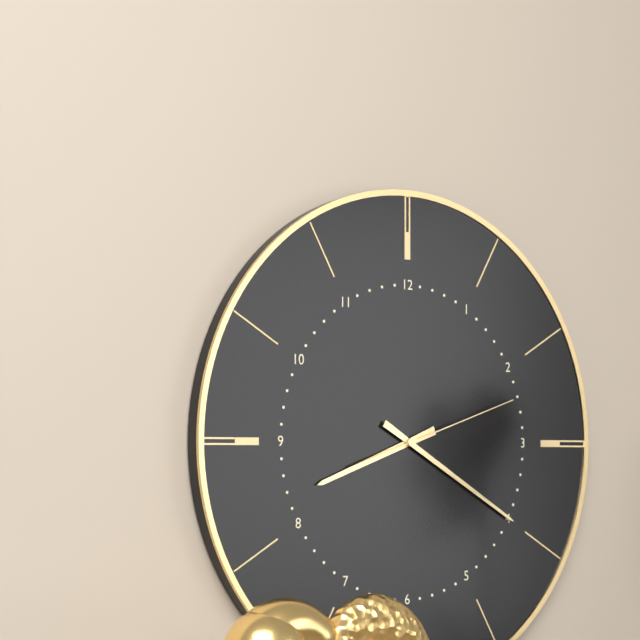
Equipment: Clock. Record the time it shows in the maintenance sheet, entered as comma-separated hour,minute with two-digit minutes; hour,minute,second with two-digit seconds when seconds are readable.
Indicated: 8,20,12
